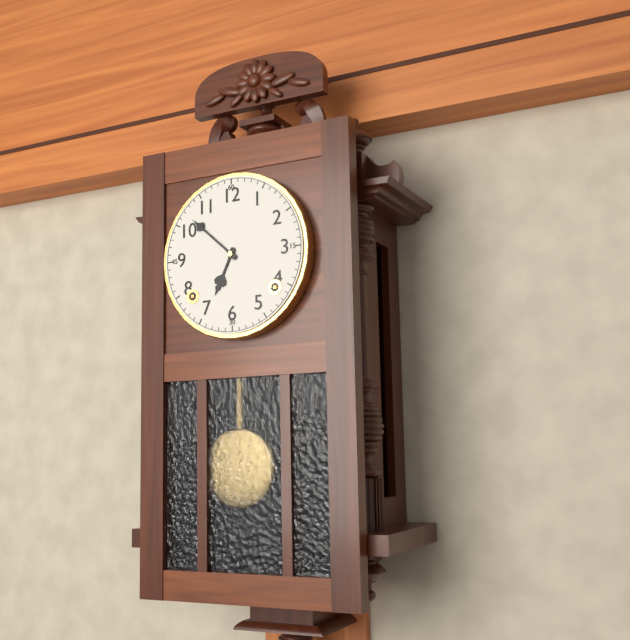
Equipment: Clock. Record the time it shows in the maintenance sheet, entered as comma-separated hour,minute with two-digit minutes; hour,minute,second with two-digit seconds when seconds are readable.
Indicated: 6,52
